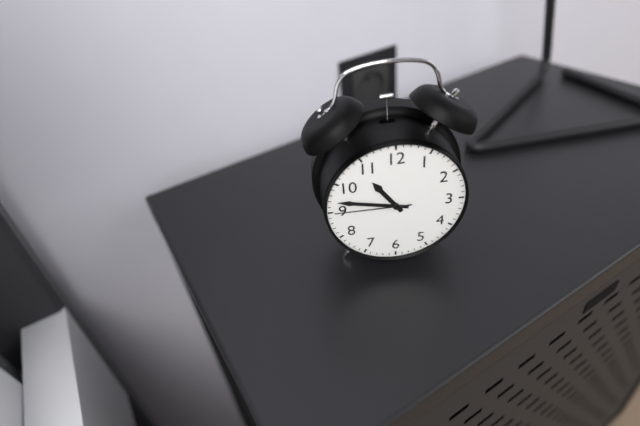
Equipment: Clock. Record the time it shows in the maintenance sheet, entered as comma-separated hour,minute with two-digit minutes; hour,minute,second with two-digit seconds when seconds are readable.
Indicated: 10,47,45
